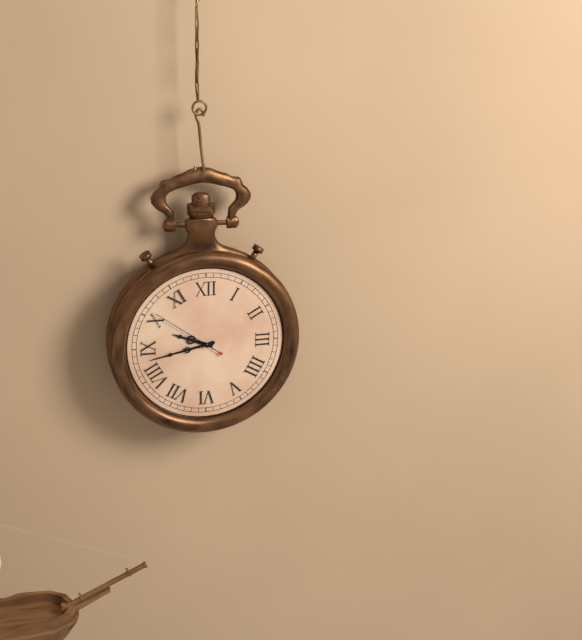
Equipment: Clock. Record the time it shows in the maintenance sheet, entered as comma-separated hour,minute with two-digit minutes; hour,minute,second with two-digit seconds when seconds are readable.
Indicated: 9,43,51
